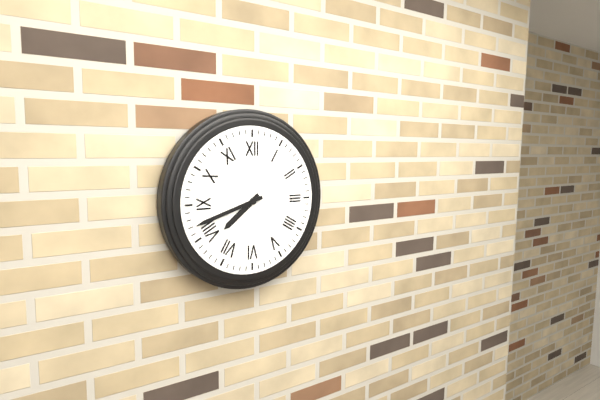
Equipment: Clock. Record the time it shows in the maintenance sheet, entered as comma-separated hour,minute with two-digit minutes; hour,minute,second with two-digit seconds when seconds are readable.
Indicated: 7,42
